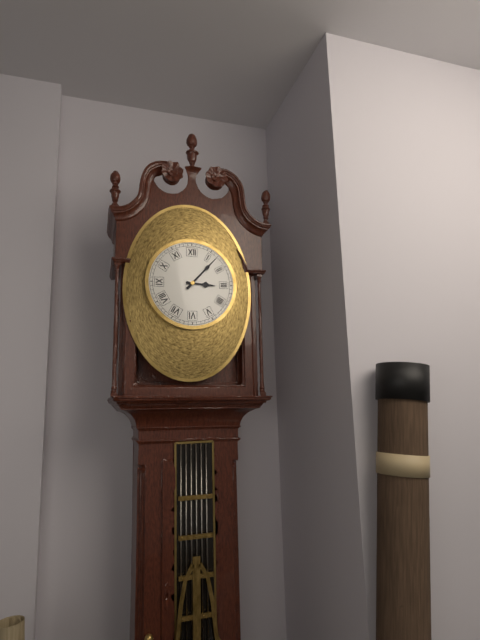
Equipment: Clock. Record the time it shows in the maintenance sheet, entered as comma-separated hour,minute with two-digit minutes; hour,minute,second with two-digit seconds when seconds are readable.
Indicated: 3,07
